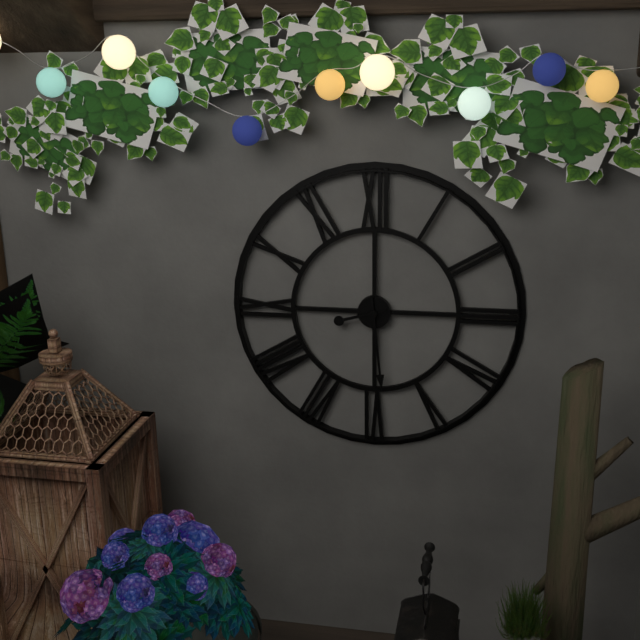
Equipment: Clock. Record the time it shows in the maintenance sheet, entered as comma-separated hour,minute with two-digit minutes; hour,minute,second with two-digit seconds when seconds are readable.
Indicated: 8,29
